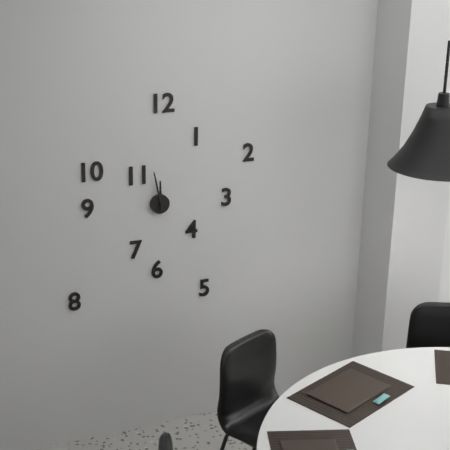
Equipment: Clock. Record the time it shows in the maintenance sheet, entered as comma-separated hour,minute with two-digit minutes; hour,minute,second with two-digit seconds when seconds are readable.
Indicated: 11,58
